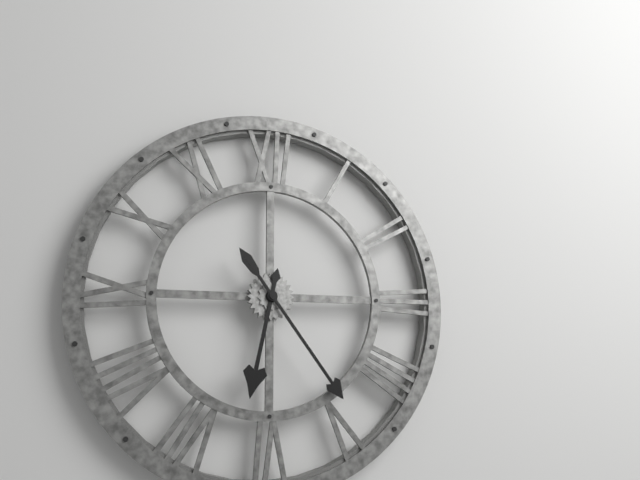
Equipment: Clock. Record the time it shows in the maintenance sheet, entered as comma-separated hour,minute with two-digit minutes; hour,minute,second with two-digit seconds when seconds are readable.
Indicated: 6,24
